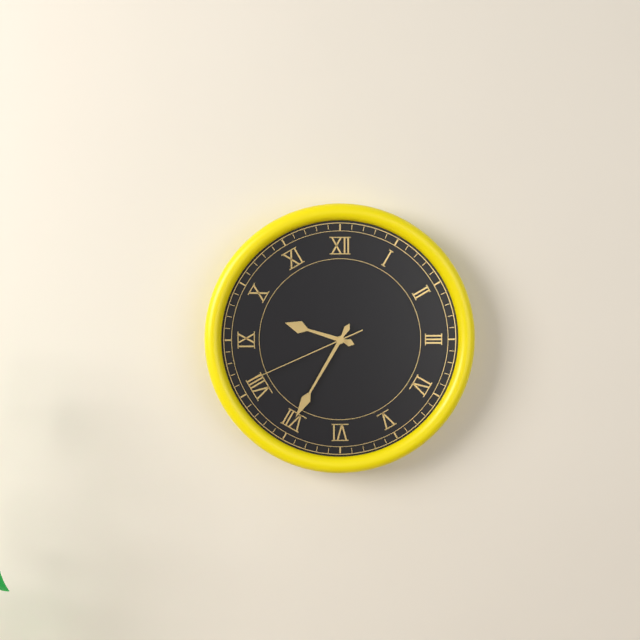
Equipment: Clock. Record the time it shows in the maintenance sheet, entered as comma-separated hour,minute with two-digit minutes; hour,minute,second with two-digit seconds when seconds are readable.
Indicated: 9,35,41
